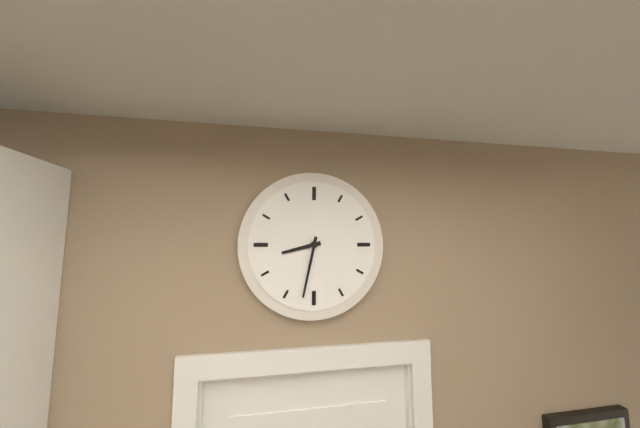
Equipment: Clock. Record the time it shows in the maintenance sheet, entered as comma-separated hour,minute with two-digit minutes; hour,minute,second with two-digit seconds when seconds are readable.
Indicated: 8,32
